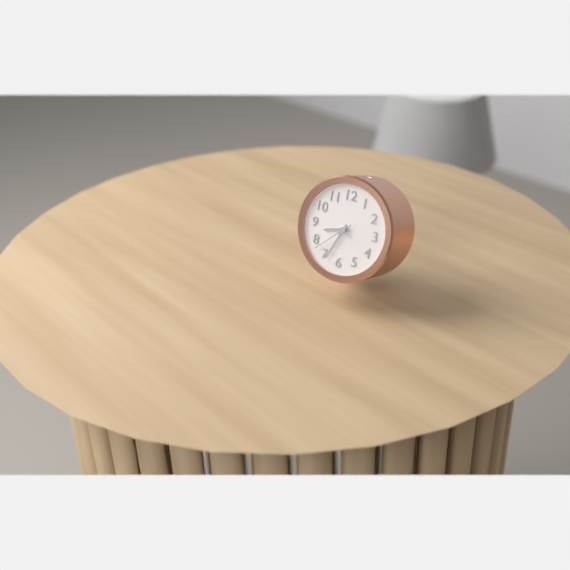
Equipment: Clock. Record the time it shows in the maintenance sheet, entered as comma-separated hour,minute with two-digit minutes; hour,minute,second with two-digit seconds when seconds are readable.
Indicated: 8,34
